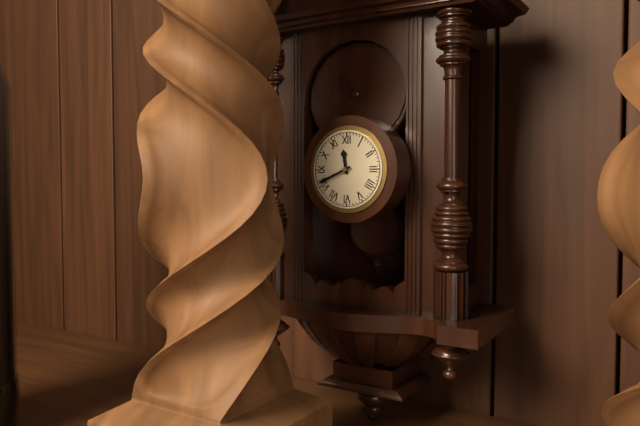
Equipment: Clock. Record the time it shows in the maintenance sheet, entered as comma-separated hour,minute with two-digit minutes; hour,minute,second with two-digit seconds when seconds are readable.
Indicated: 11,41
